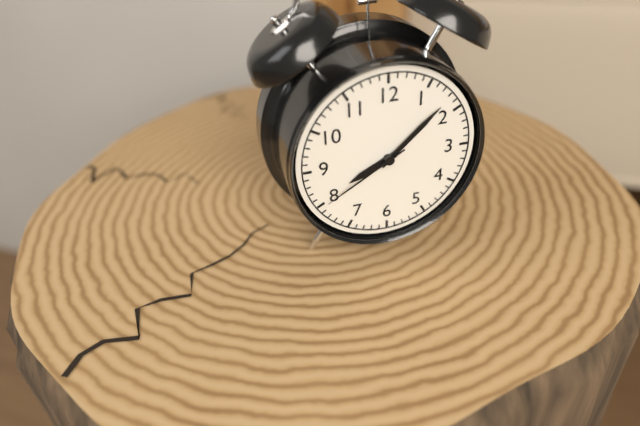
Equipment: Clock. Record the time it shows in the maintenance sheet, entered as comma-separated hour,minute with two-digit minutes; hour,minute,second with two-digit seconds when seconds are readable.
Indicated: 8,08,40
